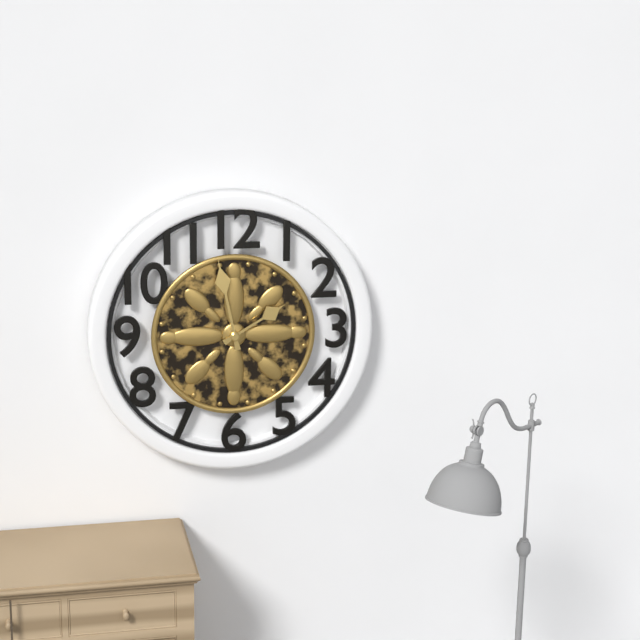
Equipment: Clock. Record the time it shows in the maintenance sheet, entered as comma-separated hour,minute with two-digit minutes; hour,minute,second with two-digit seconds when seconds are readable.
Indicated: 1,58
